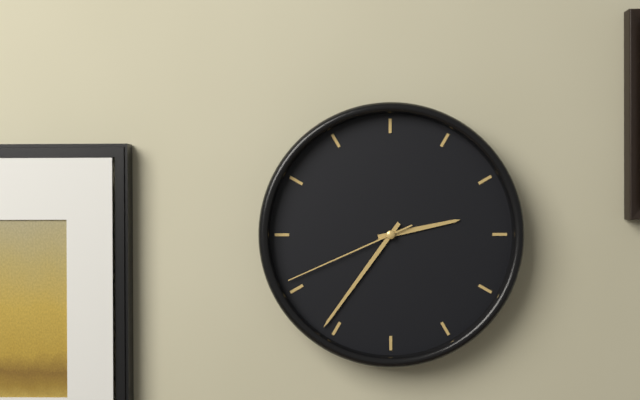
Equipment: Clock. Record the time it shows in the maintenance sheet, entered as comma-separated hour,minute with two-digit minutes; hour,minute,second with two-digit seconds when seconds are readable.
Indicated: 2,36,41
